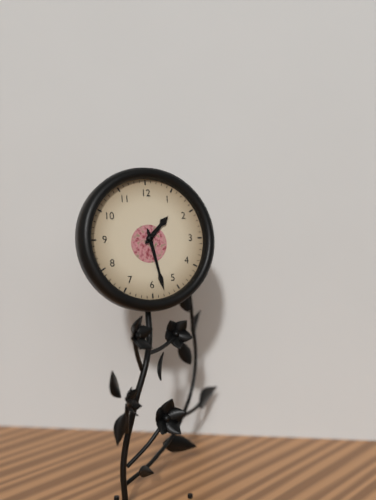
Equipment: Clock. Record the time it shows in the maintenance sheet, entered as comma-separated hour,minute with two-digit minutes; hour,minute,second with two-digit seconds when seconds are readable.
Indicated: 1,28
